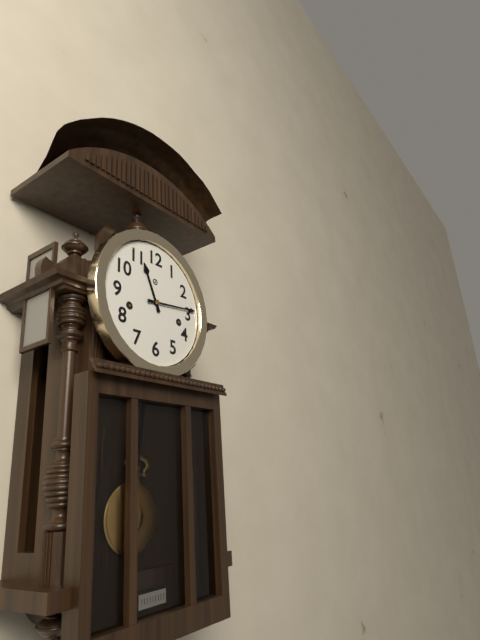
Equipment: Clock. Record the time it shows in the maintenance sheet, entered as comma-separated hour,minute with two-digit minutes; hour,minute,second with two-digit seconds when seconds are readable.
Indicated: 11,14
